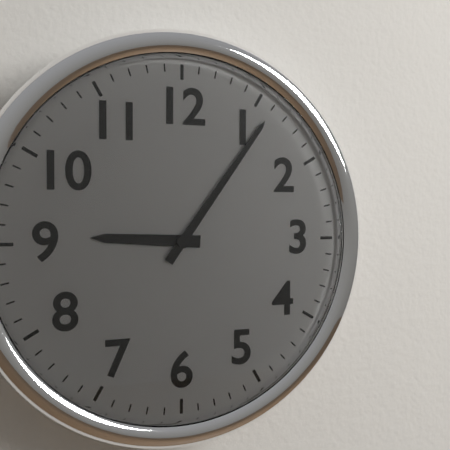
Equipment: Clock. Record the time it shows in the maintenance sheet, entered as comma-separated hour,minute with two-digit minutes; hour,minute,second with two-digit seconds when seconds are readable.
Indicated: 9,06
